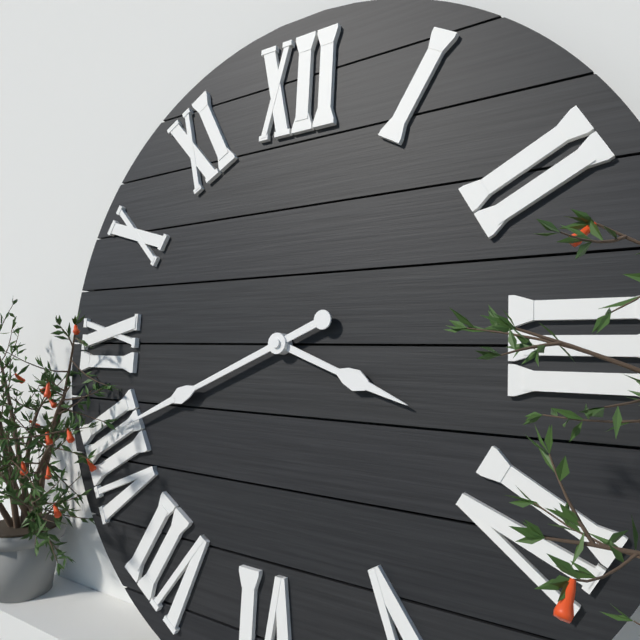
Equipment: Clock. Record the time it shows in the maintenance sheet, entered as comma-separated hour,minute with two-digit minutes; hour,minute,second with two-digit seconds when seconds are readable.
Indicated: 3,41
